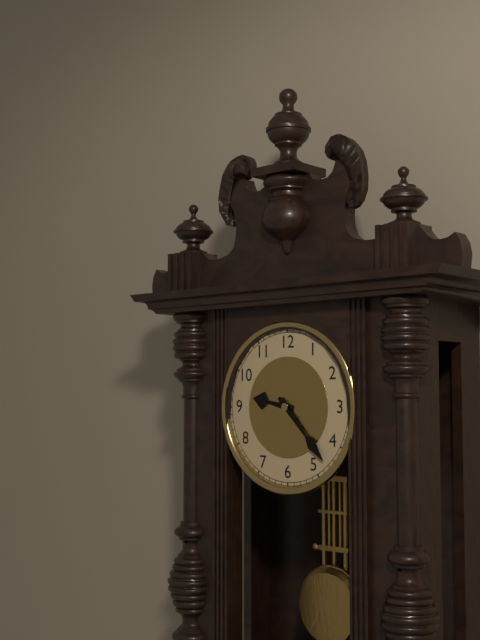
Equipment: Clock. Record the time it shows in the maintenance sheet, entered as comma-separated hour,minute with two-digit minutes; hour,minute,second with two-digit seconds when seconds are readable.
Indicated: 9,23
